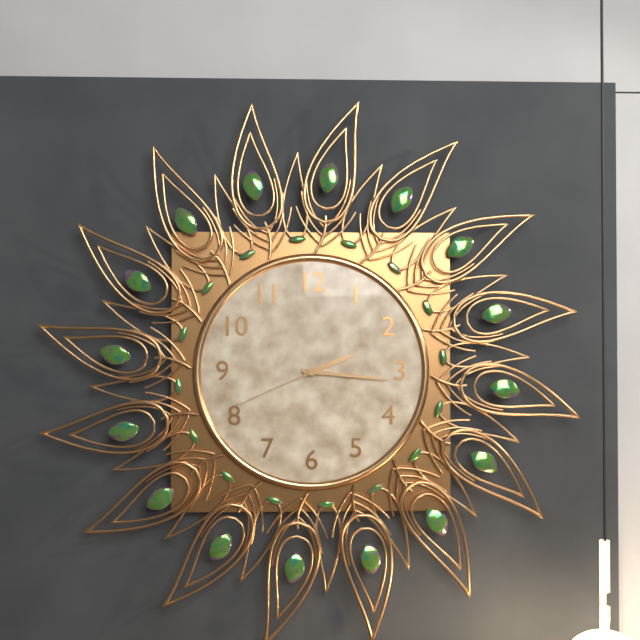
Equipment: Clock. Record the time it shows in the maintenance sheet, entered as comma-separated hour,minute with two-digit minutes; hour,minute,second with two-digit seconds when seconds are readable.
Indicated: 2,16,41
